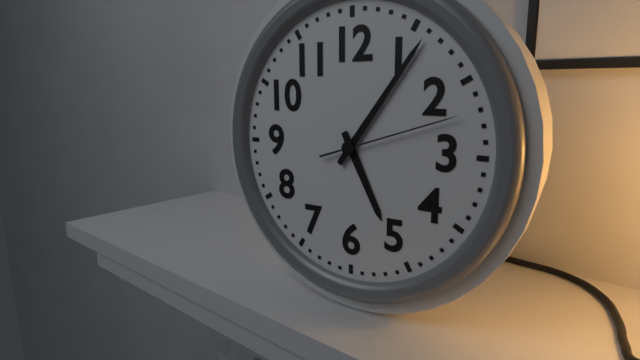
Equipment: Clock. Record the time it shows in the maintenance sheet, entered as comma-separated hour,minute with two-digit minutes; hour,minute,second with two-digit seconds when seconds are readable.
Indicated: 5,06,12
